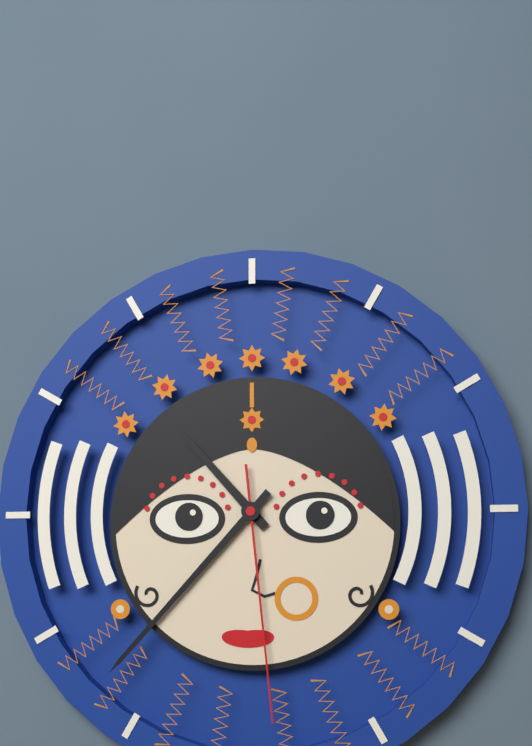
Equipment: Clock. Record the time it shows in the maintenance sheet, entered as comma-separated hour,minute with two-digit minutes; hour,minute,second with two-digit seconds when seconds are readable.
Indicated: 10,37,29
